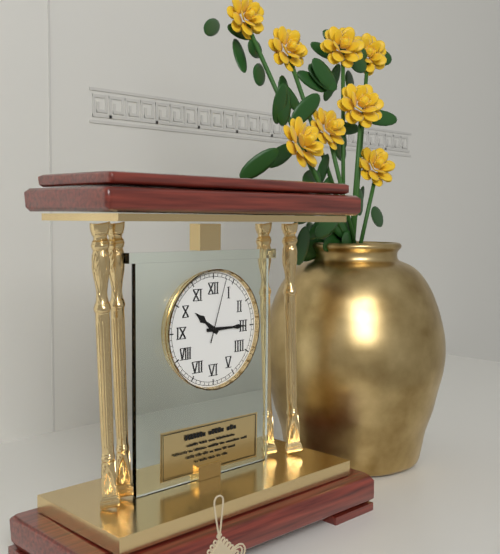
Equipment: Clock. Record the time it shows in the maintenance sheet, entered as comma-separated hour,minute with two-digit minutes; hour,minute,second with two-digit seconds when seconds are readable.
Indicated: 10,15,03
